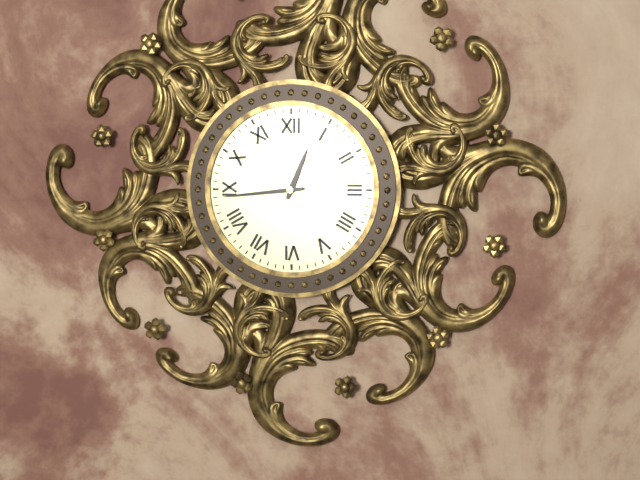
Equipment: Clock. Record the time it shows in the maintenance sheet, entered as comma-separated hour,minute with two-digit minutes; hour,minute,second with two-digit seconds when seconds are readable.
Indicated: 12,44
